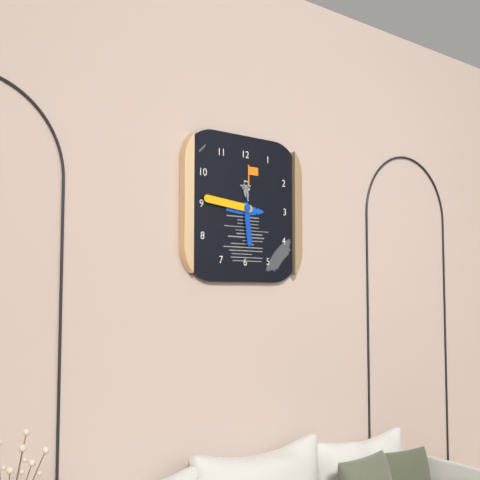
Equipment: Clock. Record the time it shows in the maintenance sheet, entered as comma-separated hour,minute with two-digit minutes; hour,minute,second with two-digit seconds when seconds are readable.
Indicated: 5,46
